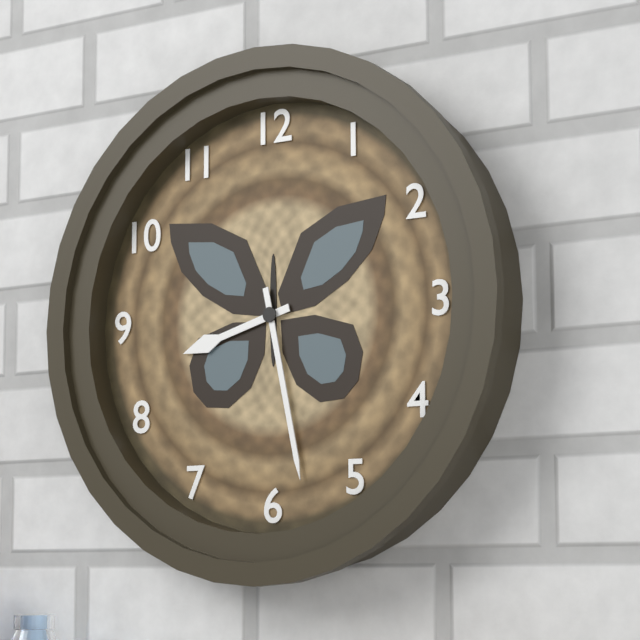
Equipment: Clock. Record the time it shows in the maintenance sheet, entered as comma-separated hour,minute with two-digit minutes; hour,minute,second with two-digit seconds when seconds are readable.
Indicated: 8,28
